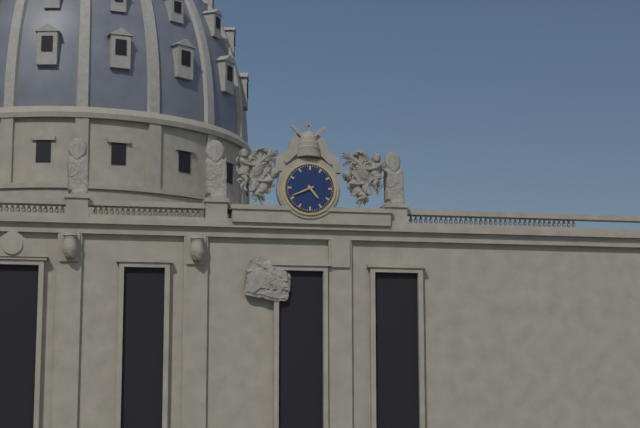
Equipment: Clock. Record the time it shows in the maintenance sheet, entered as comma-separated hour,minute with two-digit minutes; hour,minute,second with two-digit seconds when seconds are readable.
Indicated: 4,41
